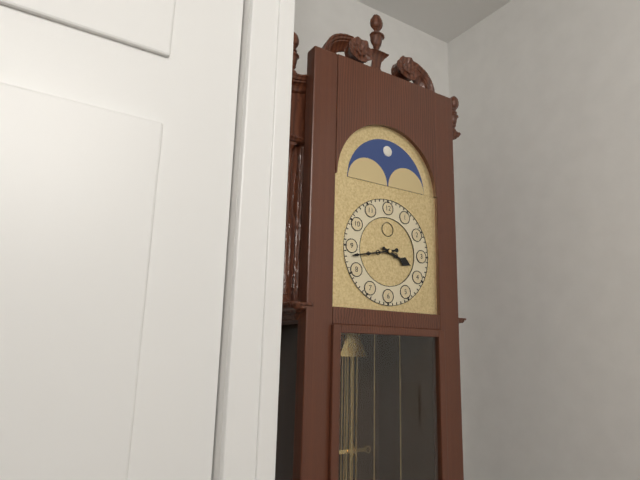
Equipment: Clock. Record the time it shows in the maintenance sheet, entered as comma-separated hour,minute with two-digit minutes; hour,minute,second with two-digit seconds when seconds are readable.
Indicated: 3,43
